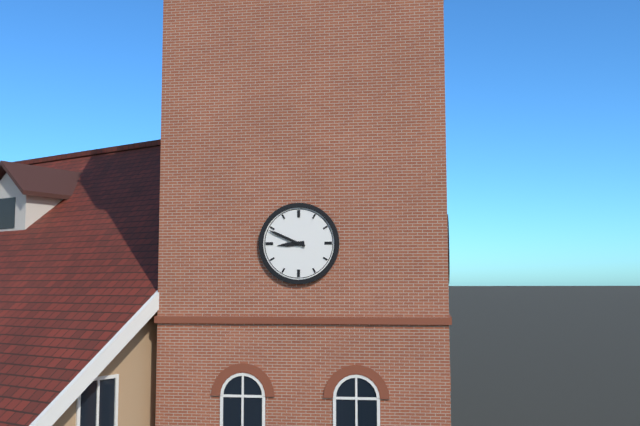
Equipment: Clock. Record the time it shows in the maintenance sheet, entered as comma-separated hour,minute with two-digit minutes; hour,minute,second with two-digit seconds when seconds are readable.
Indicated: 8,49
